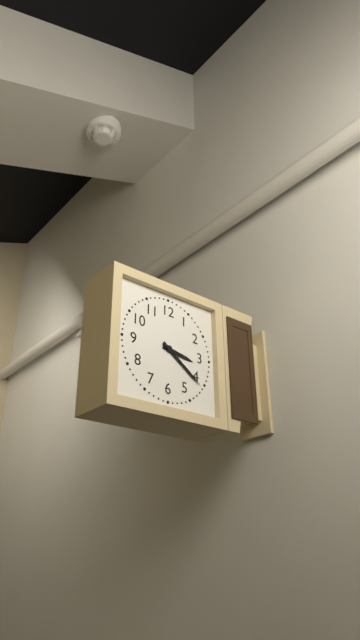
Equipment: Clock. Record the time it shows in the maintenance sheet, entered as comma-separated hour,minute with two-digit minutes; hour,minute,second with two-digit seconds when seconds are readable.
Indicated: 3,21
